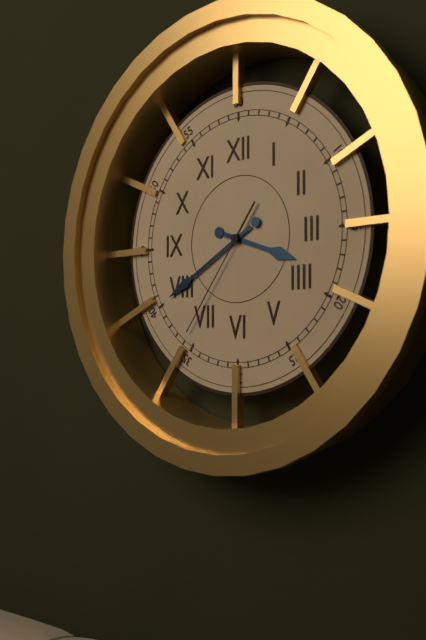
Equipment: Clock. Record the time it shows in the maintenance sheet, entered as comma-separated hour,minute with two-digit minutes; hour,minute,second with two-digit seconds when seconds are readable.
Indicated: 3,40,36
